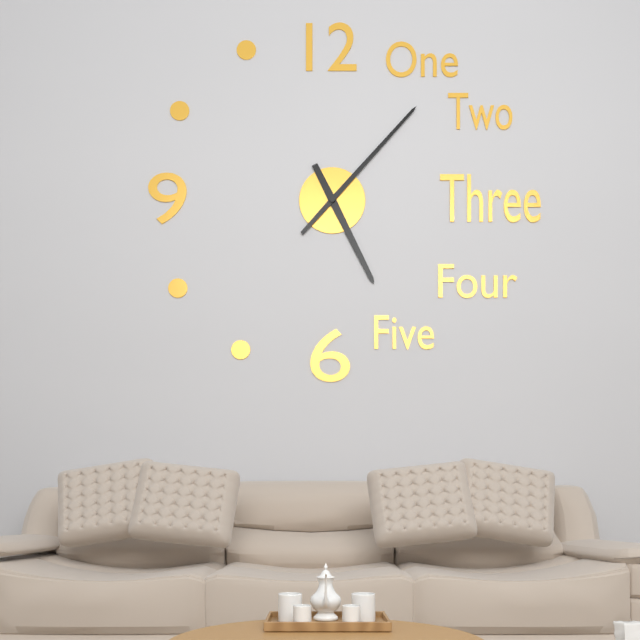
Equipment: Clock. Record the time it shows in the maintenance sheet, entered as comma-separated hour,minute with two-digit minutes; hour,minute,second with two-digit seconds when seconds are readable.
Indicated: 5,07
